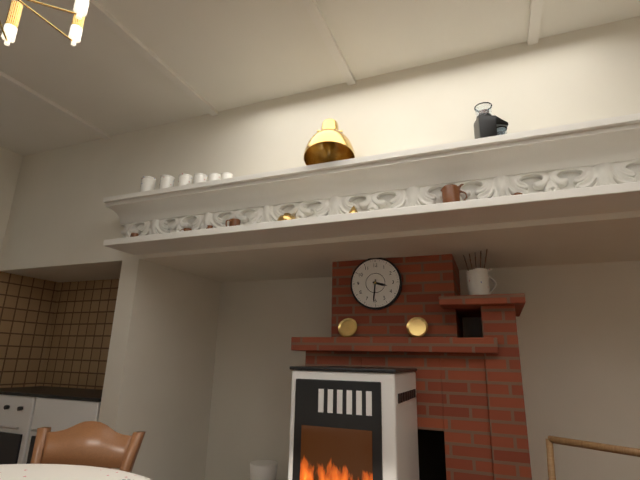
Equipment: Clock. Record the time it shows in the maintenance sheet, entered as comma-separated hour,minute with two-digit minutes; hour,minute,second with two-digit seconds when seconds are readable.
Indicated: 3,31
